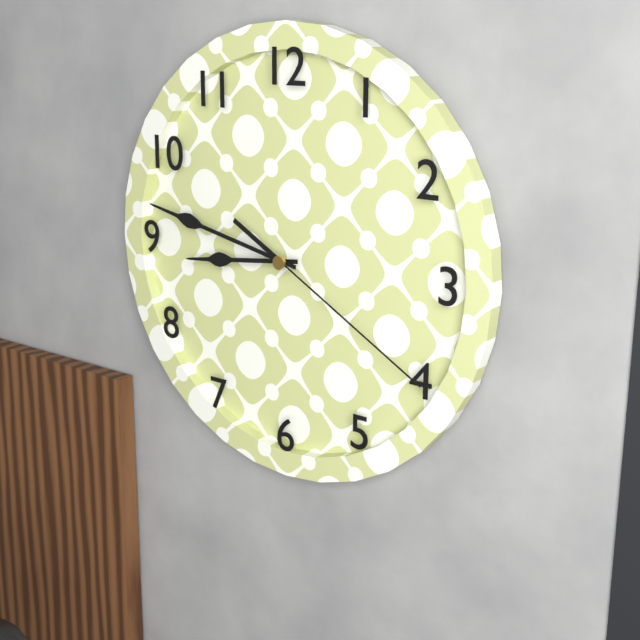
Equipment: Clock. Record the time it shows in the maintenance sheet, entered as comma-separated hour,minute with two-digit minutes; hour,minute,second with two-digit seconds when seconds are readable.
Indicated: 8,47,20
